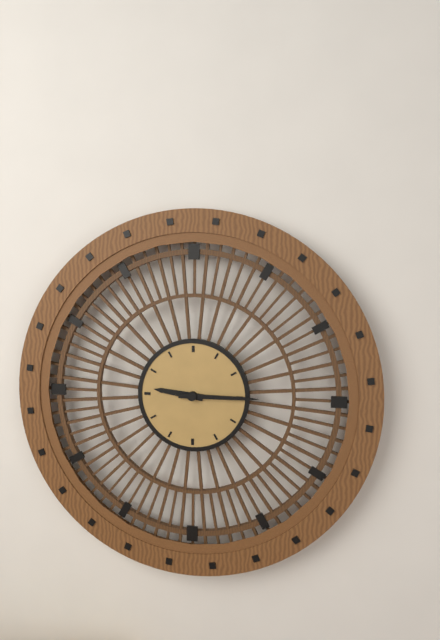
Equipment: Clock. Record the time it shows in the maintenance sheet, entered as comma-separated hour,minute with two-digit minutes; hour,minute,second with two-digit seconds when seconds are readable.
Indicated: 9,15
